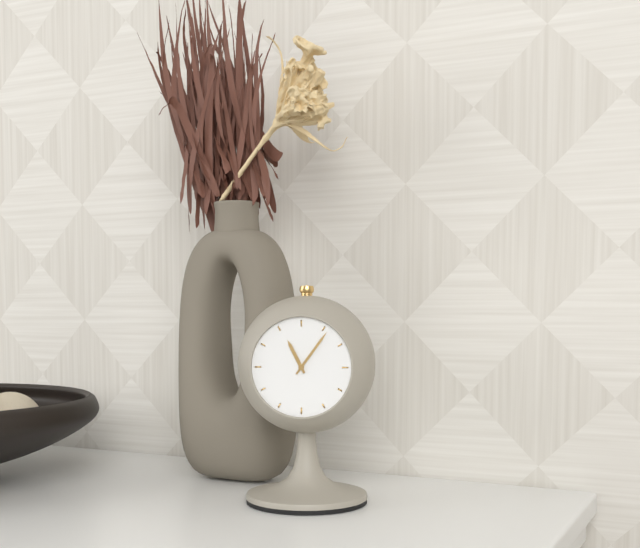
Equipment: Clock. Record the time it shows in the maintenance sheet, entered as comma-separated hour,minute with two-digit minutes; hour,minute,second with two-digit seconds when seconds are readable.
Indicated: 11,06
